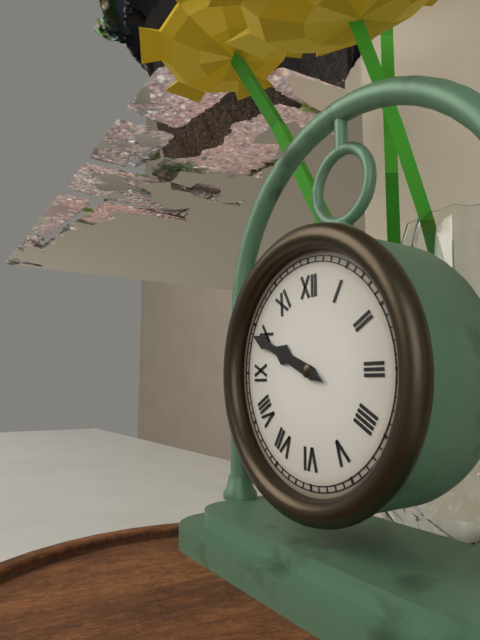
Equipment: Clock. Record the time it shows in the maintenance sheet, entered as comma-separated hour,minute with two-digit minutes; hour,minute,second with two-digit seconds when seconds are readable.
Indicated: 9,49
